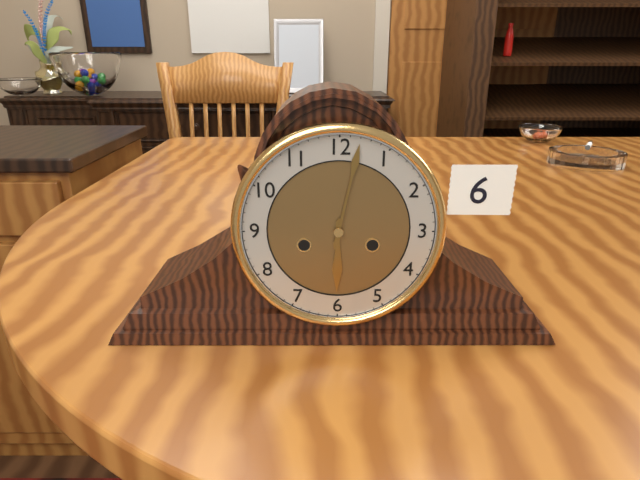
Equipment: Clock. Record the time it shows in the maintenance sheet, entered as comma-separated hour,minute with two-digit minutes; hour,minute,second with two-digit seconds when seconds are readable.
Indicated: 6,02
